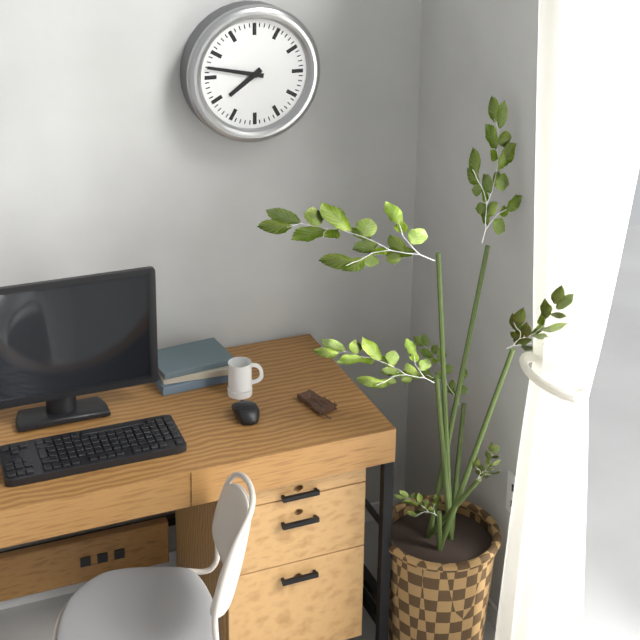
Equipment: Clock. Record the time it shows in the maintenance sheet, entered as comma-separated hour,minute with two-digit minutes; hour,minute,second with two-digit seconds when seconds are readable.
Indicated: 7,47
